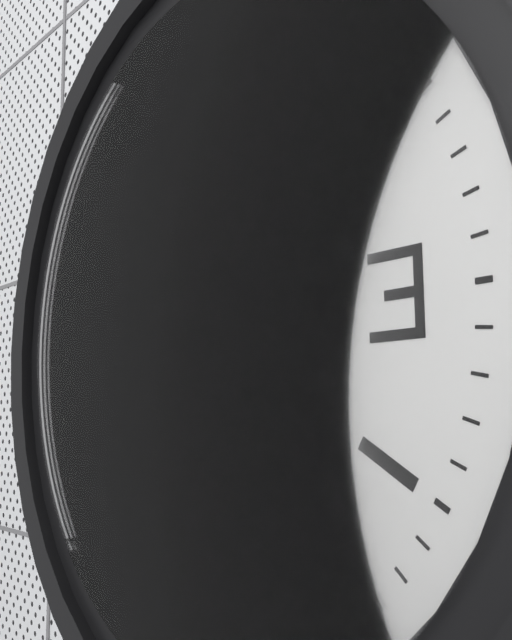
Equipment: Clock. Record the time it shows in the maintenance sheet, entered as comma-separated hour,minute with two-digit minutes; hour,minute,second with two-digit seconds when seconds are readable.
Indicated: 11,39
